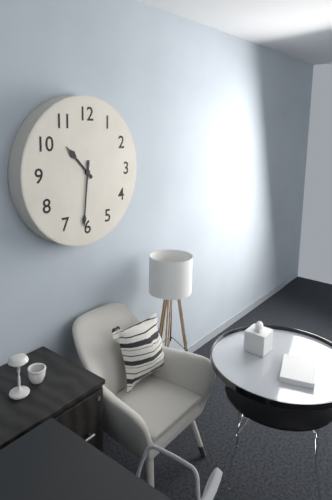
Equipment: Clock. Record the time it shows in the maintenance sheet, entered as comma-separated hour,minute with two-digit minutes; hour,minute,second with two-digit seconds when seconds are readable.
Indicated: 10,31
